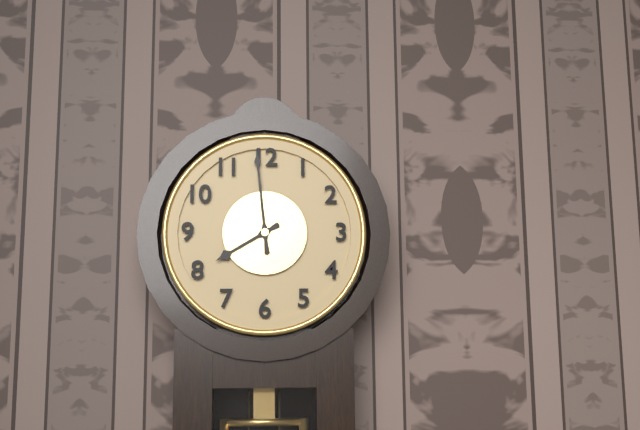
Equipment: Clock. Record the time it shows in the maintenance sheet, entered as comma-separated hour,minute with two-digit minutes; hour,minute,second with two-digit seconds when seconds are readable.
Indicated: 7,59
